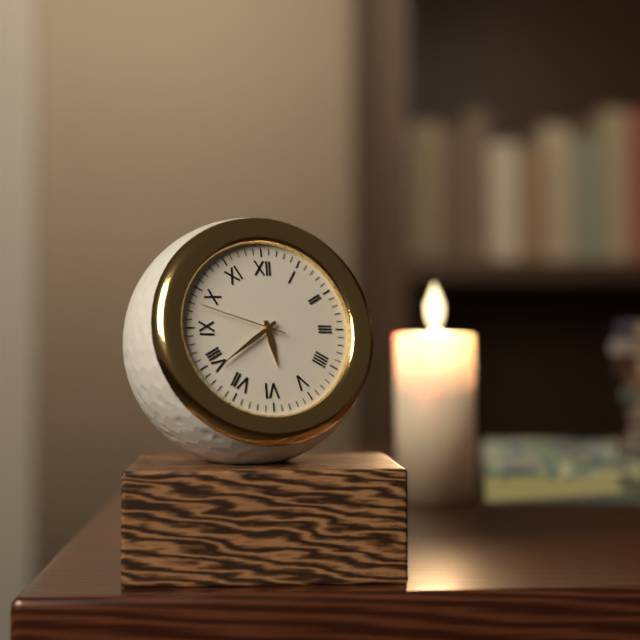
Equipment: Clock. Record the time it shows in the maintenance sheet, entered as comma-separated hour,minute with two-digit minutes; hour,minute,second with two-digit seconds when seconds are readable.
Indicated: 5,39,48
